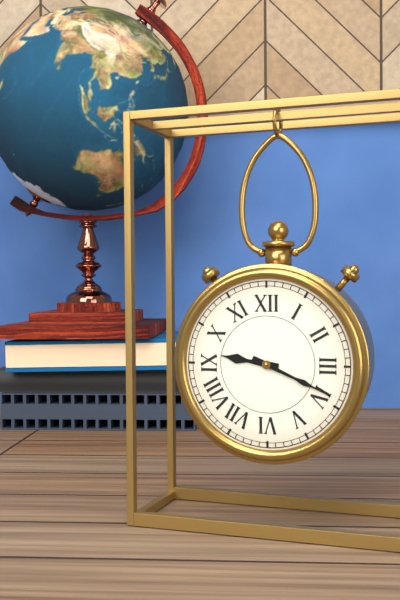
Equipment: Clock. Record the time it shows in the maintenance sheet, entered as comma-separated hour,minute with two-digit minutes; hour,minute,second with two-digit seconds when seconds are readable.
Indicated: 9,19
